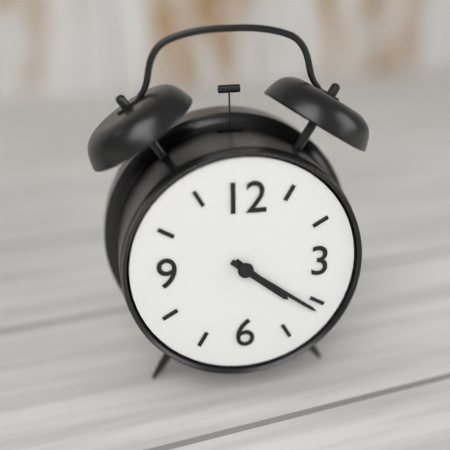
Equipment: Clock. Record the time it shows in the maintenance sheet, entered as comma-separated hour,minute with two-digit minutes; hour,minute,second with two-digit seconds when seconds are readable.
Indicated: 4,21
